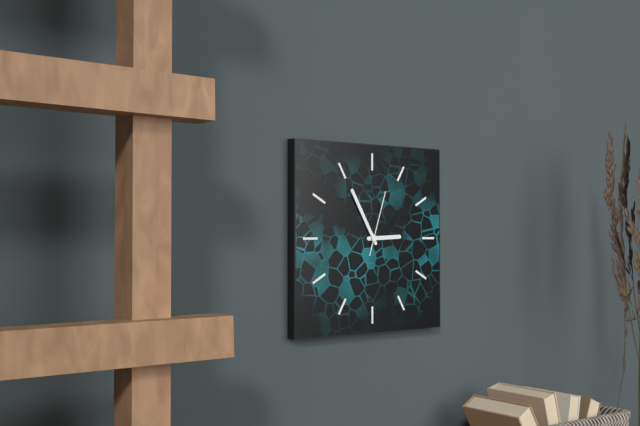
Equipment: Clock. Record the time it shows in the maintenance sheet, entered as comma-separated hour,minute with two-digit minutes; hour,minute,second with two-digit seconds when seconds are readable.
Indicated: 2,55,03
